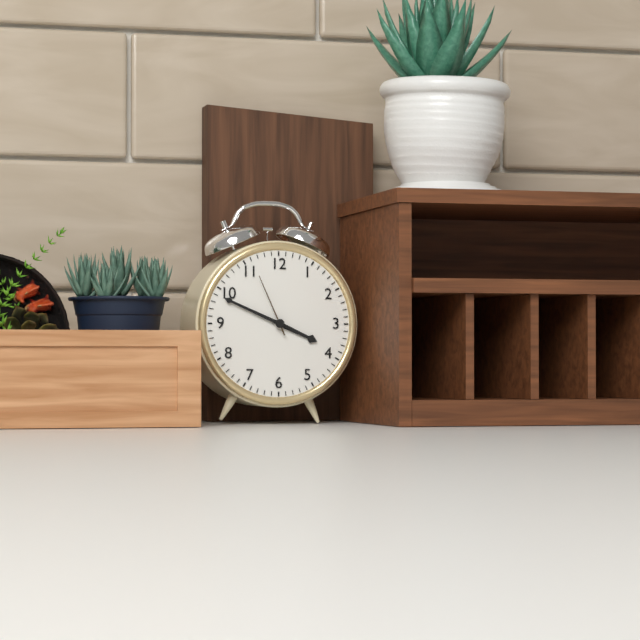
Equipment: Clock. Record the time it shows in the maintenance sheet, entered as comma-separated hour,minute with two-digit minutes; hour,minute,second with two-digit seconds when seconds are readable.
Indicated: 3,49,56
